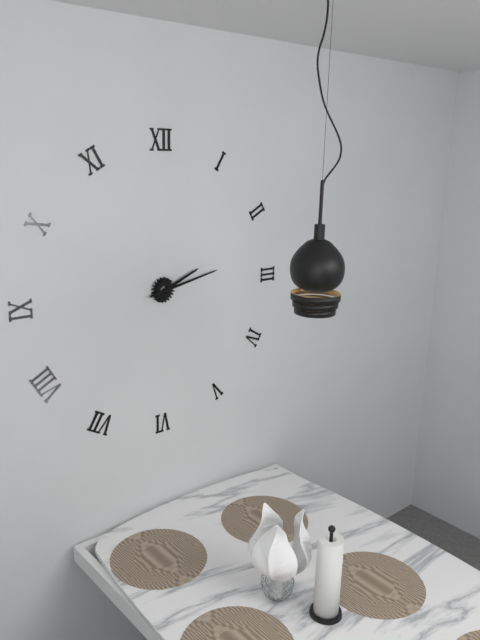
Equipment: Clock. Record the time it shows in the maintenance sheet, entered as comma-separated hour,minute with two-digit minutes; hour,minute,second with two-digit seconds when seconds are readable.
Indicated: 2,13
